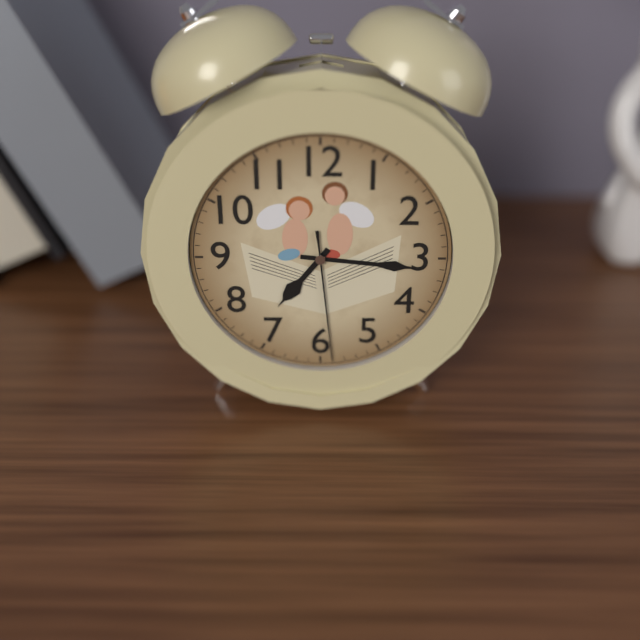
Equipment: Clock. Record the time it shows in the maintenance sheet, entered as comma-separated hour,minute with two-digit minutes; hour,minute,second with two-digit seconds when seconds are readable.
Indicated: 7,16,29
